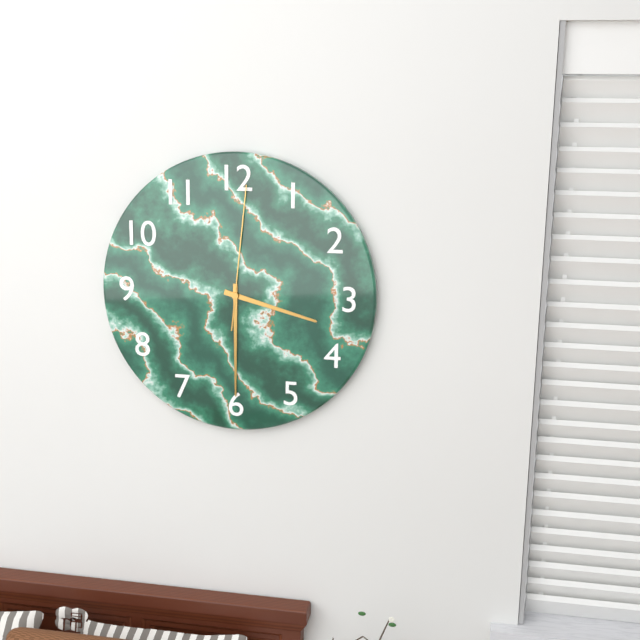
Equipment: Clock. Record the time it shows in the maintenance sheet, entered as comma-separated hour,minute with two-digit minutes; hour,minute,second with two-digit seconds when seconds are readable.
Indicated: 3,30,01
